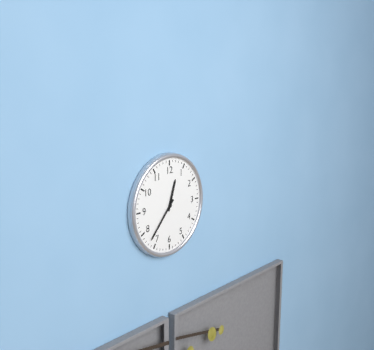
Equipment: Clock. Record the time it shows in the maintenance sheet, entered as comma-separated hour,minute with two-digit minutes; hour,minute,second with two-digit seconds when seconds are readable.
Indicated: 12,37
